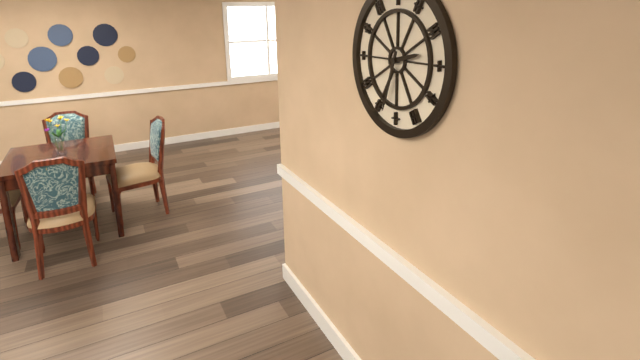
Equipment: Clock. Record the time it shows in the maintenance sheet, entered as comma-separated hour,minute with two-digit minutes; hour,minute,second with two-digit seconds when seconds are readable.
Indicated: 2,33
